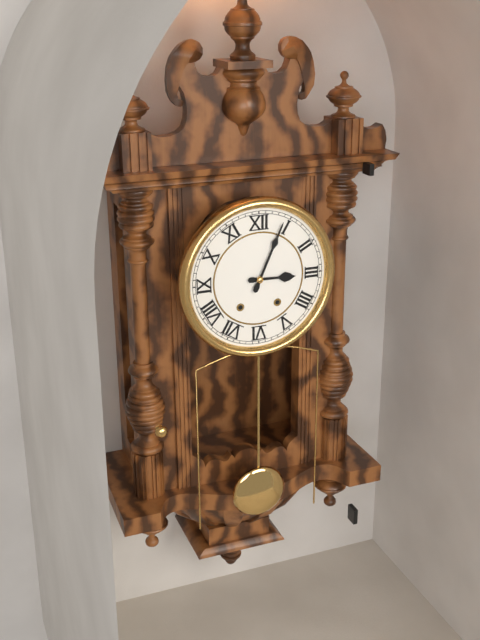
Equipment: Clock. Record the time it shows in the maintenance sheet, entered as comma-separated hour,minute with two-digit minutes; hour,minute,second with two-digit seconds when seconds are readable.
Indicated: 3,04
